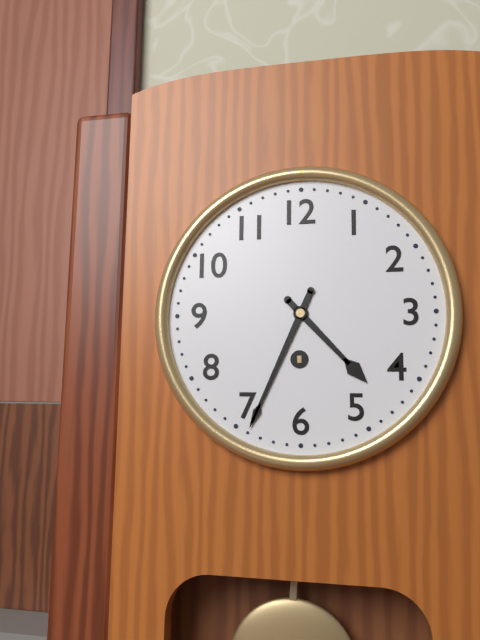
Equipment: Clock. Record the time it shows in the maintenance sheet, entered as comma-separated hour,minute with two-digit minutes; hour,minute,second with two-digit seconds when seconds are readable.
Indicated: 4,34
